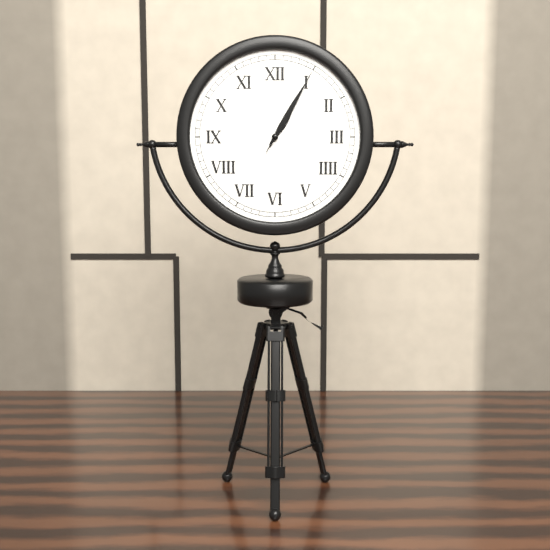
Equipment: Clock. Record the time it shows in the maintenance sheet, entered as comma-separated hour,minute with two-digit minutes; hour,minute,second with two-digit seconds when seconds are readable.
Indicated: 1,05,05
